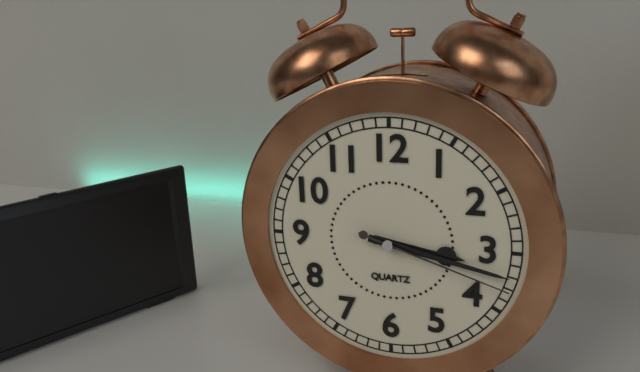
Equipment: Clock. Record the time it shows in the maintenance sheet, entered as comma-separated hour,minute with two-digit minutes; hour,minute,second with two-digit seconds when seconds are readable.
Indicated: 3,17,18
